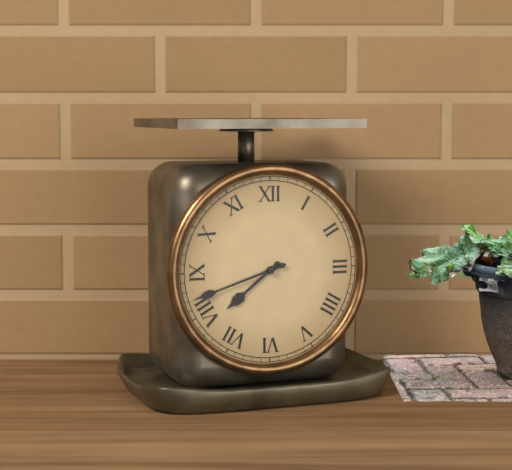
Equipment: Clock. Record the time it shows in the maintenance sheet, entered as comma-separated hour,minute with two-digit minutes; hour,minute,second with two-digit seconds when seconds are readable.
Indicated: 7,42
